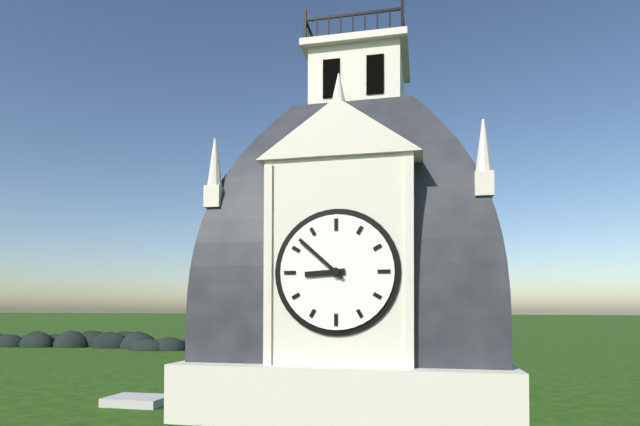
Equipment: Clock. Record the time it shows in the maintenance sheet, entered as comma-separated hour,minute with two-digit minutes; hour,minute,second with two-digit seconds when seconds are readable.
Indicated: 8,52
